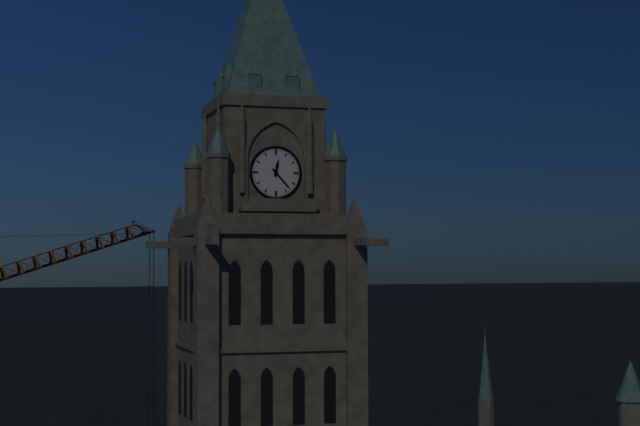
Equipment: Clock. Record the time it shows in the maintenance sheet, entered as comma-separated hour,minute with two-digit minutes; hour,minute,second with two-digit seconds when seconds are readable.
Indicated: 12,23
